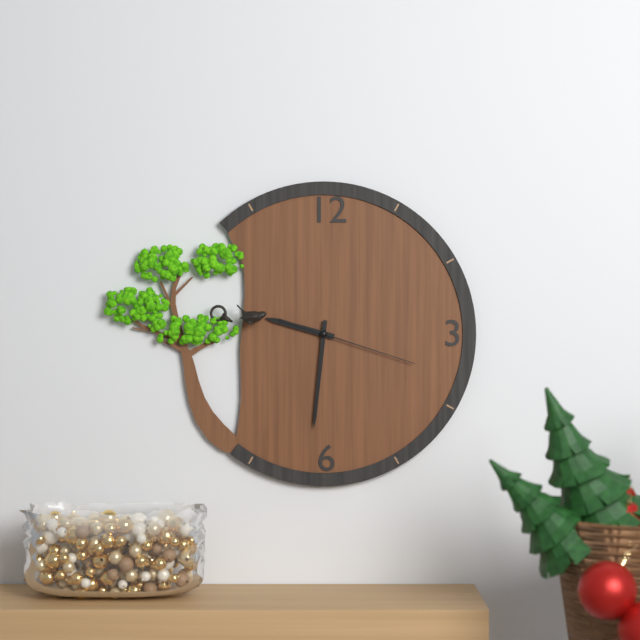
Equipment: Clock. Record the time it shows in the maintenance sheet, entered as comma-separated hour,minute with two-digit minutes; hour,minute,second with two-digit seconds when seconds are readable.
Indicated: 9,31,18
